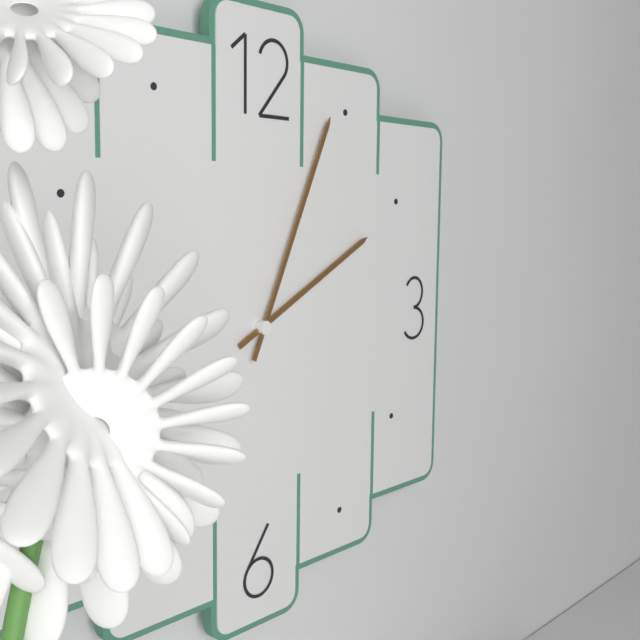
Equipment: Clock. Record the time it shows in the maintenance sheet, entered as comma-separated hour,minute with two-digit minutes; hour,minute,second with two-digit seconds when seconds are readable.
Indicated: 2,04
